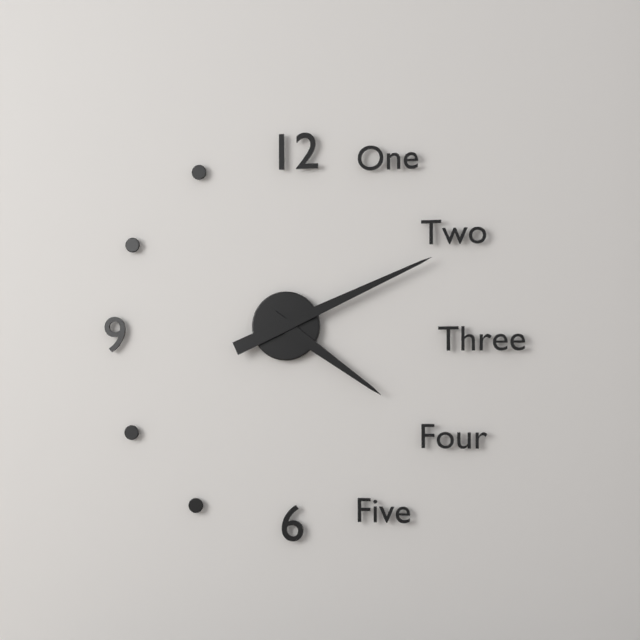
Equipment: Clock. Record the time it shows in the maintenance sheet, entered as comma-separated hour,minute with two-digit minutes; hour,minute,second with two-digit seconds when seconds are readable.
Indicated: 4,11
